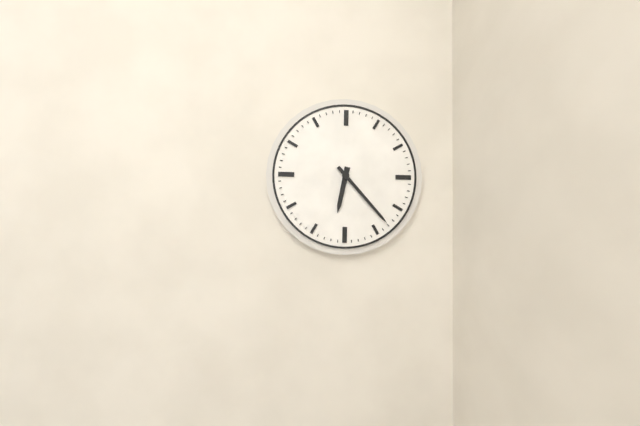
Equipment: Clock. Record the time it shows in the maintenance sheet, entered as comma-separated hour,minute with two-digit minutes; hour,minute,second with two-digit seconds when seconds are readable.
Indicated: 6,23
